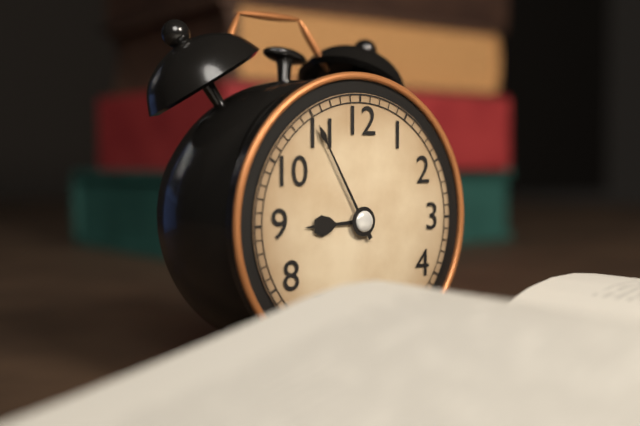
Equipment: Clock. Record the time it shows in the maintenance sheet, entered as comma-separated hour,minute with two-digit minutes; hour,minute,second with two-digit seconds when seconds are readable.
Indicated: 8,55
